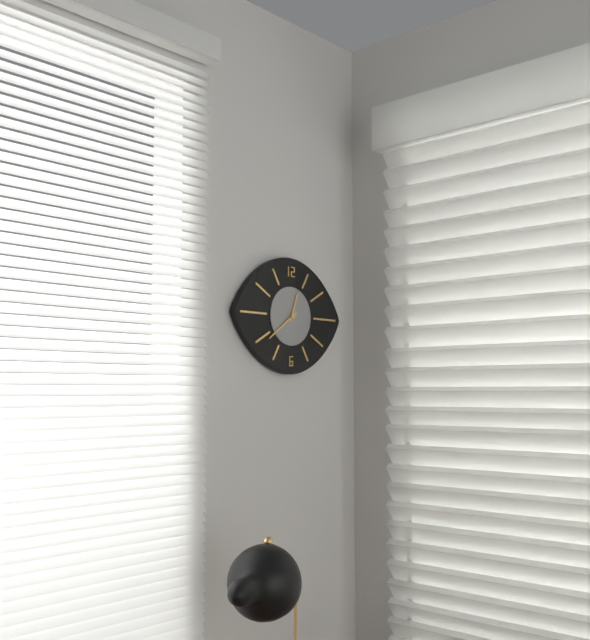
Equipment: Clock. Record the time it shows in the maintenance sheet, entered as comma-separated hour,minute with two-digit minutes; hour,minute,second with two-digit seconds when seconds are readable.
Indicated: 12,39
